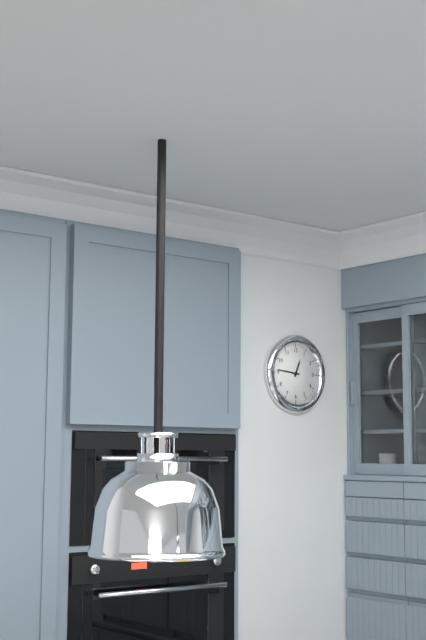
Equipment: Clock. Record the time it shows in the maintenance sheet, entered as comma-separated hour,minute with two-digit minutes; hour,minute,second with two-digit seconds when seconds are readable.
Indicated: 12,46
